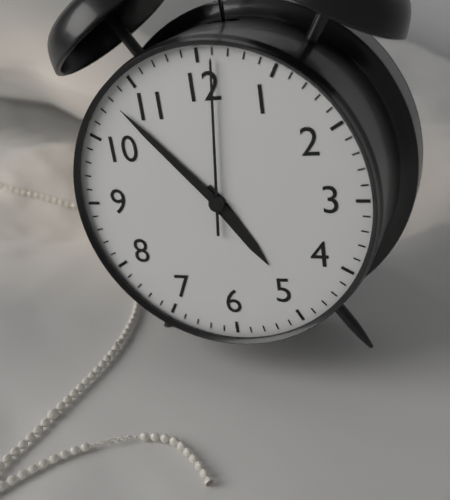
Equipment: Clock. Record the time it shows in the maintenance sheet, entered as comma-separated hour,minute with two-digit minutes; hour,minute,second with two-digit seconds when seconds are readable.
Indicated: 4,53,01
